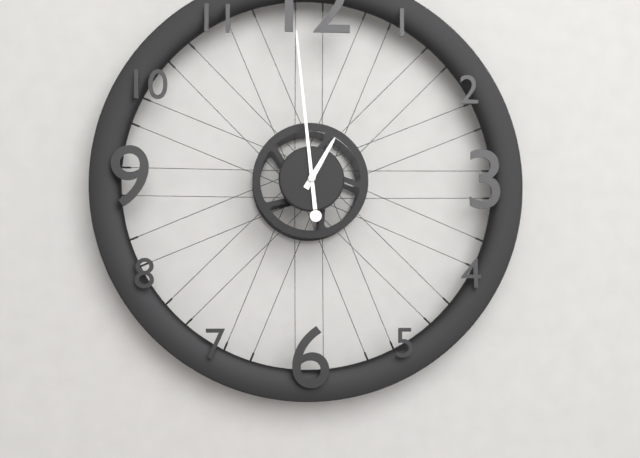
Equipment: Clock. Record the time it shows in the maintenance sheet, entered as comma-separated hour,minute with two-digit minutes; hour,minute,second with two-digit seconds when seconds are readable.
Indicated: 12,59
